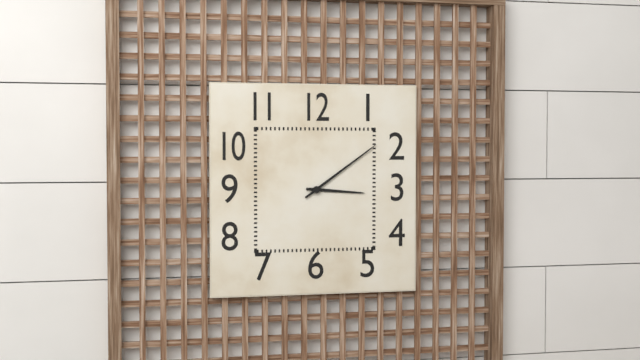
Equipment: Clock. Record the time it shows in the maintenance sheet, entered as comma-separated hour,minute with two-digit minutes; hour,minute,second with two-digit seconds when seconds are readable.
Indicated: 3,09
